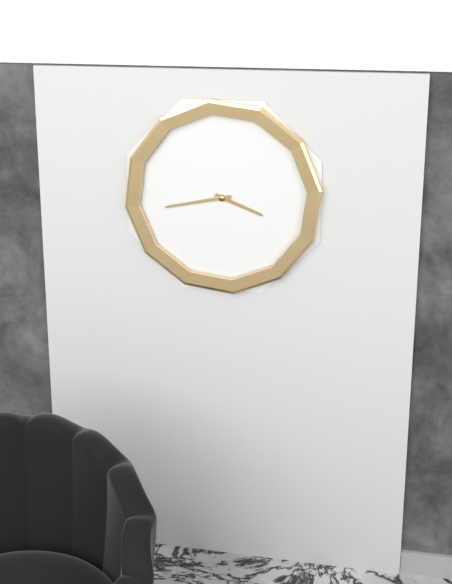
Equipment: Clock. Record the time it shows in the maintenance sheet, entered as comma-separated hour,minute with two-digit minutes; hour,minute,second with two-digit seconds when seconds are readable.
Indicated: 3,43
